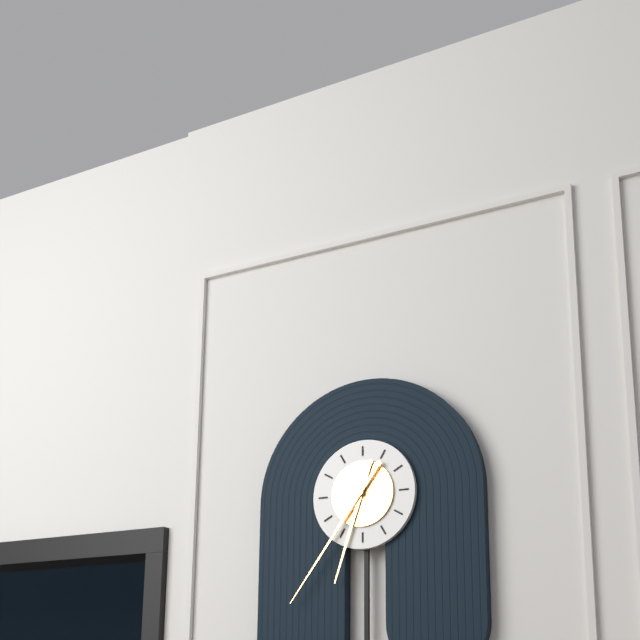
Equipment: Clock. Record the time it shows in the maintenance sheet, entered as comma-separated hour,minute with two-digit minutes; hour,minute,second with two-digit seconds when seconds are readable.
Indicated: 6,36
